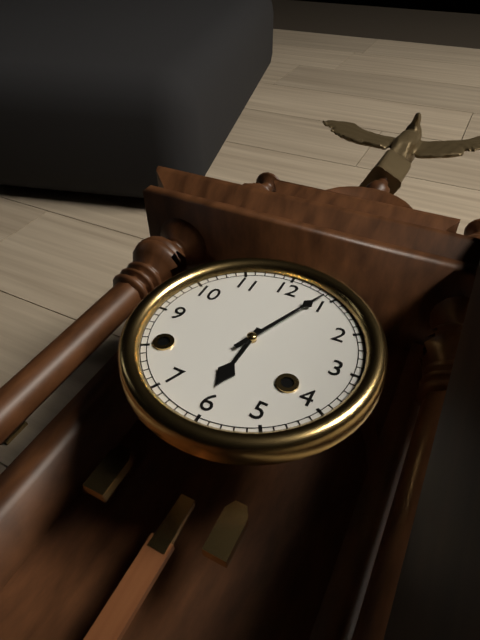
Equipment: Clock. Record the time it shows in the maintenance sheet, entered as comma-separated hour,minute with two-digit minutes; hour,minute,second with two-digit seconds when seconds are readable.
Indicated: 6,04
